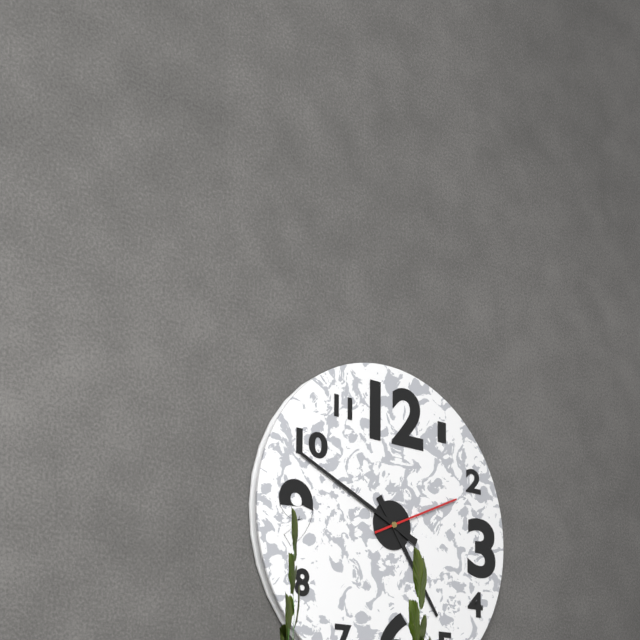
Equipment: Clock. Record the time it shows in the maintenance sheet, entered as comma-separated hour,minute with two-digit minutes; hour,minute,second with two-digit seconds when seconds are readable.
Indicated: 4,49,11
